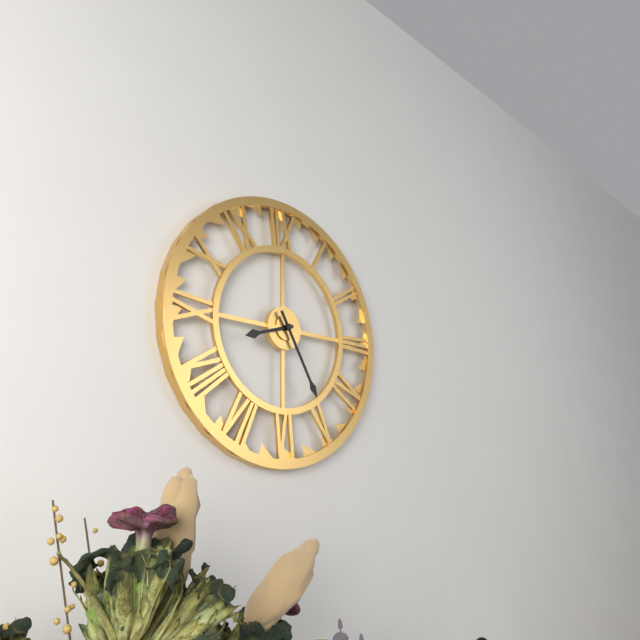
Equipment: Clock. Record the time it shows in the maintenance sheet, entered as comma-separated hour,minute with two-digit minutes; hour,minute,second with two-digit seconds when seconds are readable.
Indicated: 8,25
